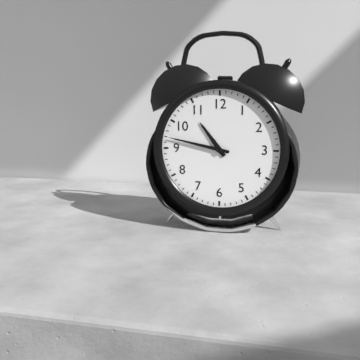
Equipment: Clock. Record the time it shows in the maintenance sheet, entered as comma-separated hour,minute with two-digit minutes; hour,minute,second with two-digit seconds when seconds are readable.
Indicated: 10,47
